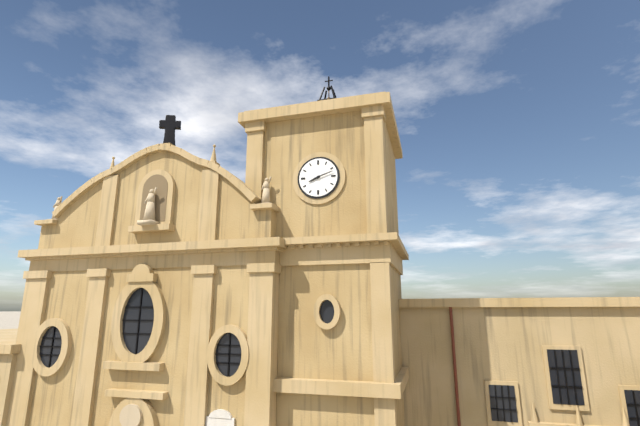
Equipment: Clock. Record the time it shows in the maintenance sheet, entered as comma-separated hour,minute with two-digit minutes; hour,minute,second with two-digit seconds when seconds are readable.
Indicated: 8,12
